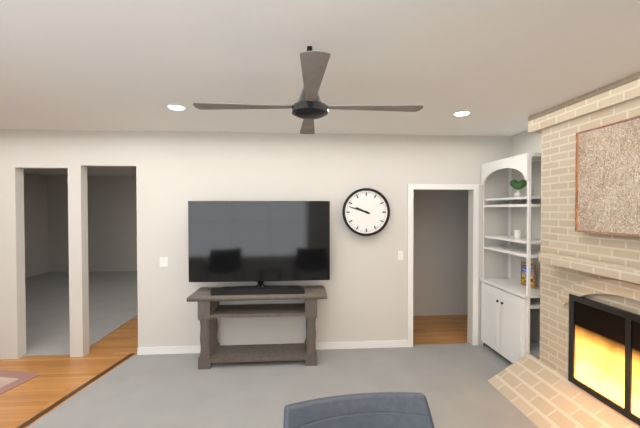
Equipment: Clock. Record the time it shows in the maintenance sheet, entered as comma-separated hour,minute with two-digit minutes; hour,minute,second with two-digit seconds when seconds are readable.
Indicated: 9,48
